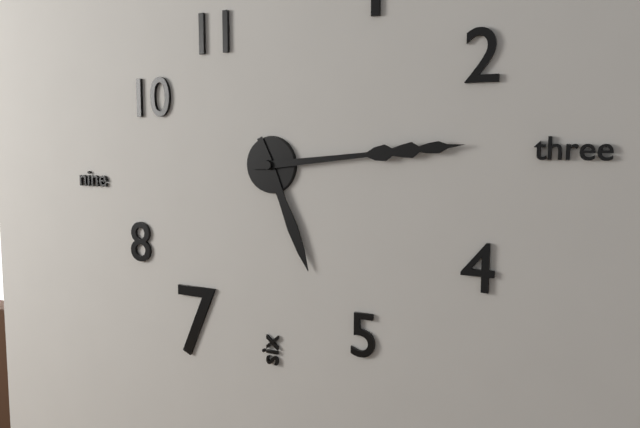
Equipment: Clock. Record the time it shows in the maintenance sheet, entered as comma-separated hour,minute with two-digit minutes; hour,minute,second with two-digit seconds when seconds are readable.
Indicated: 5,14
